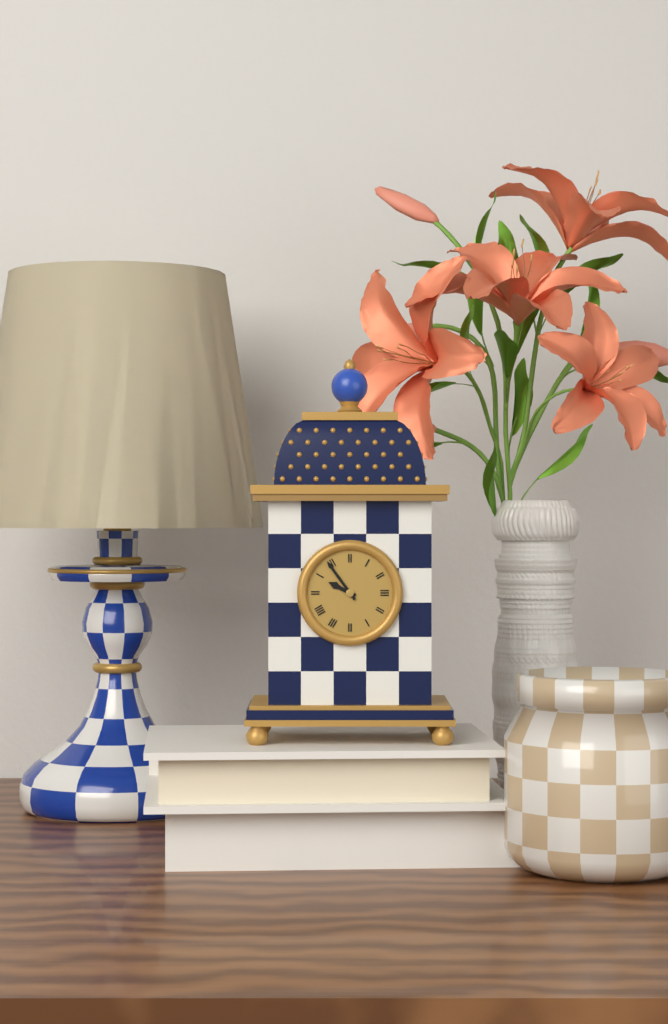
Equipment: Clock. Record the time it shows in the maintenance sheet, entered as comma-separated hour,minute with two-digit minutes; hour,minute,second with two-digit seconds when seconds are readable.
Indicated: 9,54
